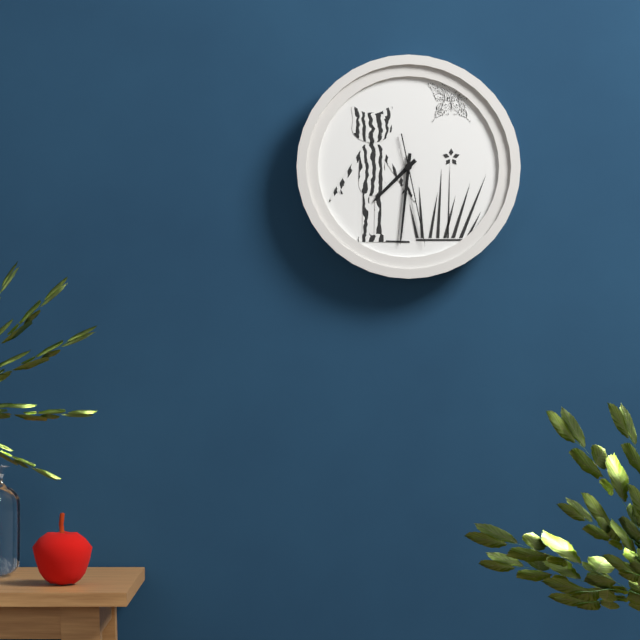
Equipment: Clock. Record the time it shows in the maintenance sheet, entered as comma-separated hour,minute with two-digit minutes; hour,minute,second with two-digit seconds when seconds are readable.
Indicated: 7,31,28
